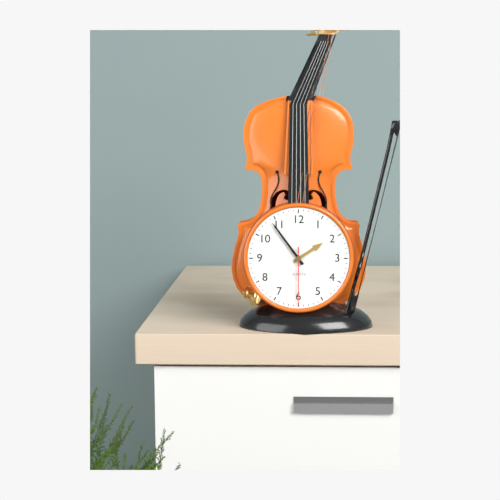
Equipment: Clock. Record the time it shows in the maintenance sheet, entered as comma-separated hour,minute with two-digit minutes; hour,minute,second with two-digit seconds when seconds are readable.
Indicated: 1,54,30
